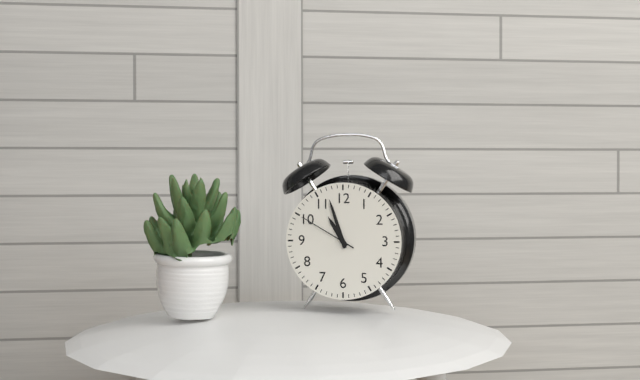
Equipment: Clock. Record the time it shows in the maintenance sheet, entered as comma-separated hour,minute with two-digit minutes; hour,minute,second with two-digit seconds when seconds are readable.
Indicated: 10,57,50
